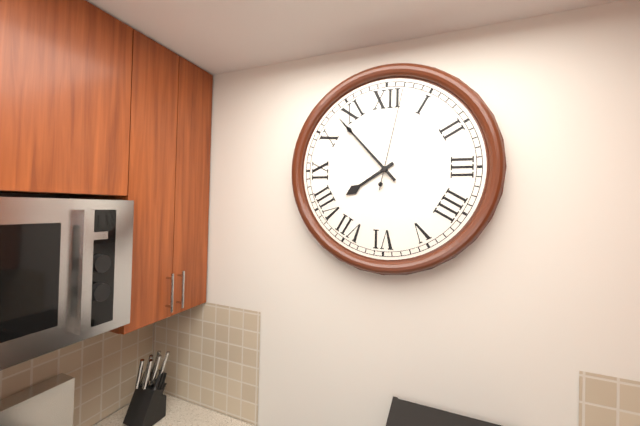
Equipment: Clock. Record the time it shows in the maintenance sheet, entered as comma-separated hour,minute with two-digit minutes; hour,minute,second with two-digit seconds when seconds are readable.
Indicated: 7,53,02
